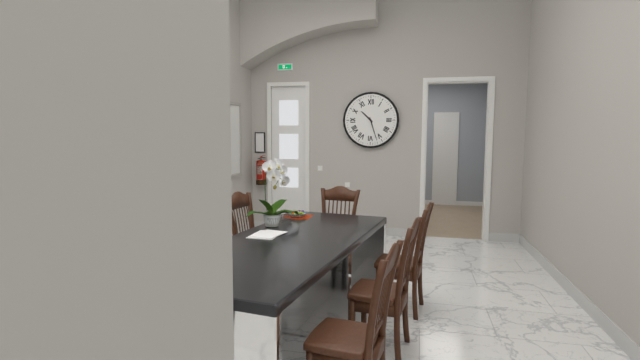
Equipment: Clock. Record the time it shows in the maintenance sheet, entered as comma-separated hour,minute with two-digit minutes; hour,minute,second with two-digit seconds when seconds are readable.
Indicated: 10,27
